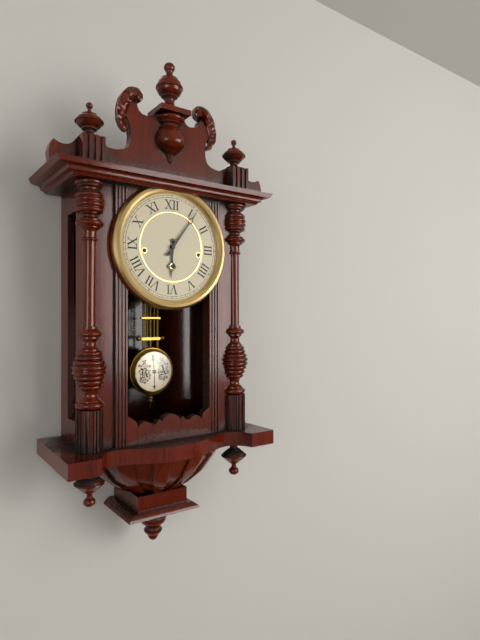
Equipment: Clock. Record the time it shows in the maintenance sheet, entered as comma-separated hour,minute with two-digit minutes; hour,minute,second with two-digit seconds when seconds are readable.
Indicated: 6,06
